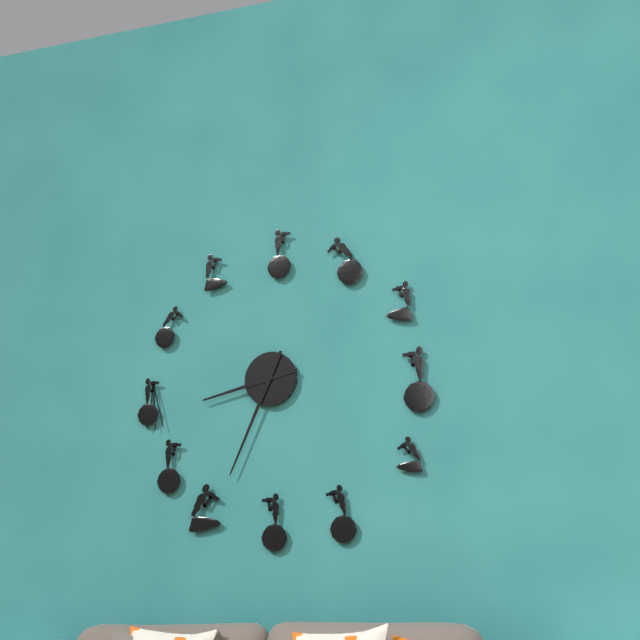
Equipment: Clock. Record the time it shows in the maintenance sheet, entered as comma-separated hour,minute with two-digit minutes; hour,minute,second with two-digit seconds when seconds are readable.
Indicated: 8,34
